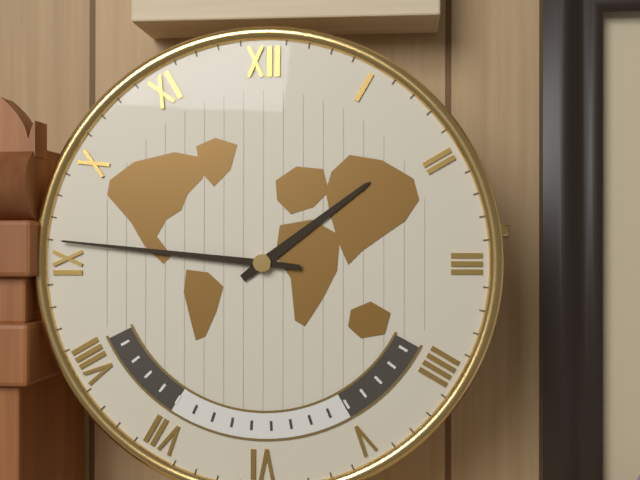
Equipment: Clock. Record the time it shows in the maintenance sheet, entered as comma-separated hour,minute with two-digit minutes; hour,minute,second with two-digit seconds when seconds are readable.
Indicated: 1,46
